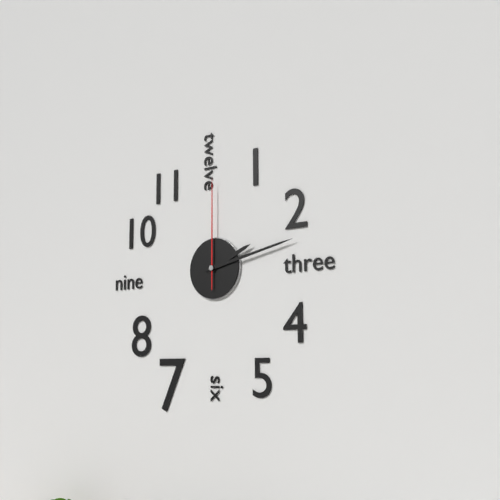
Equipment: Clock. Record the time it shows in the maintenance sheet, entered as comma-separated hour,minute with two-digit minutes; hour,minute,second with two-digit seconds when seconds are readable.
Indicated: 2,13,00
